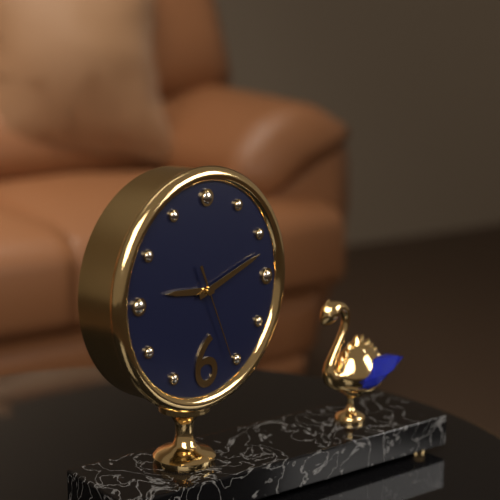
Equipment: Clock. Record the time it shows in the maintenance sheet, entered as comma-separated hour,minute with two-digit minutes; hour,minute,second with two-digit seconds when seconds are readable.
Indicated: 9,12,26
